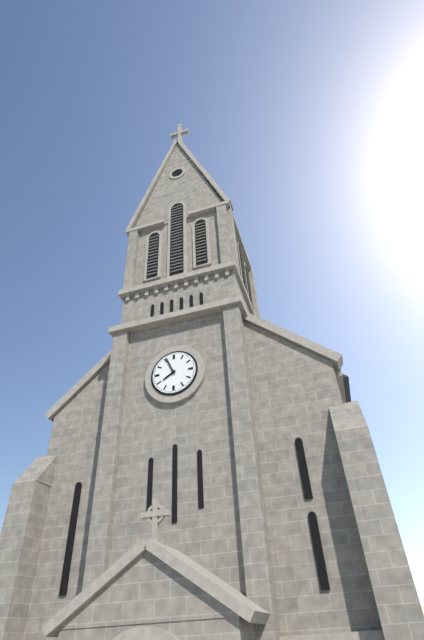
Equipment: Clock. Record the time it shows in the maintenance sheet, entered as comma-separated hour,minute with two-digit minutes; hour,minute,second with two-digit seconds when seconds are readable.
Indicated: 7,56
